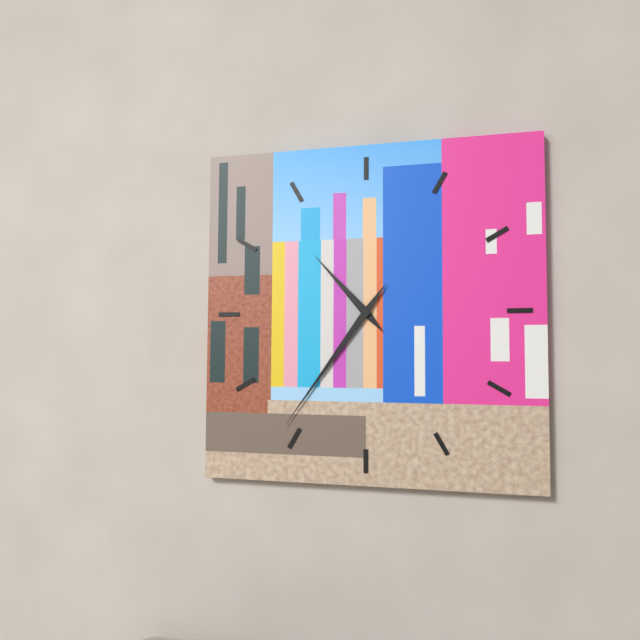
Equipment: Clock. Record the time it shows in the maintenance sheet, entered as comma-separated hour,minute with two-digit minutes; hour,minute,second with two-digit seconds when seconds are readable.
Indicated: 10,36
